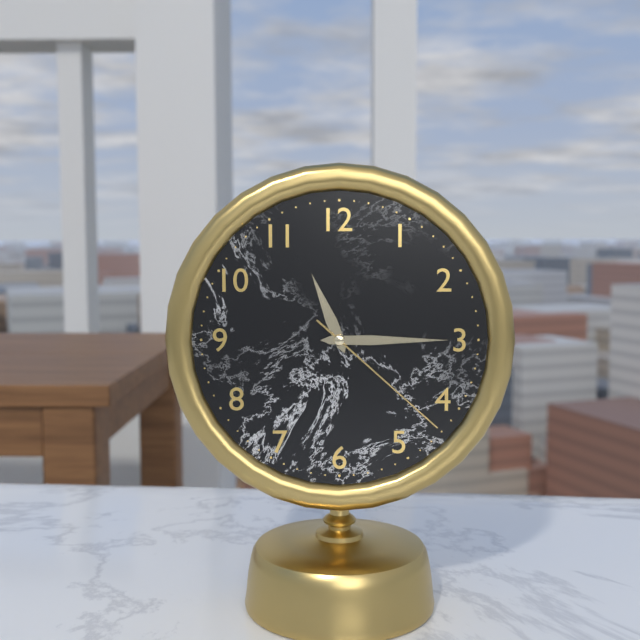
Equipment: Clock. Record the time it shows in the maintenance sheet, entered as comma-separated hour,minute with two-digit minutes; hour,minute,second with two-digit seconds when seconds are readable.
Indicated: 11,15,22
